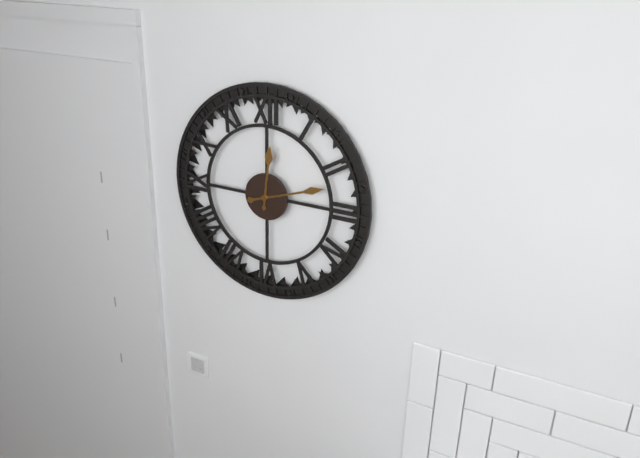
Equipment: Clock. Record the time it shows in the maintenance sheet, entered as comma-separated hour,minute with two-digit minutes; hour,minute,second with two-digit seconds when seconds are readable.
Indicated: 12,12
